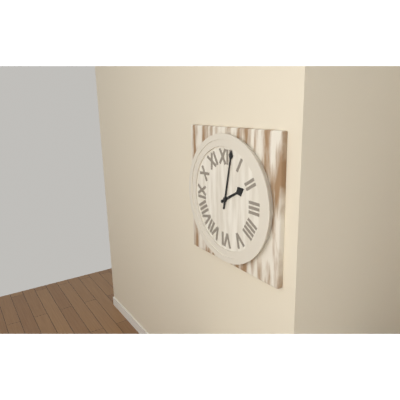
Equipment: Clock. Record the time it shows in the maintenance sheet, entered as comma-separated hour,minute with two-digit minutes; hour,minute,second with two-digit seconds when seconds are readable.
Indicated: 2,02
